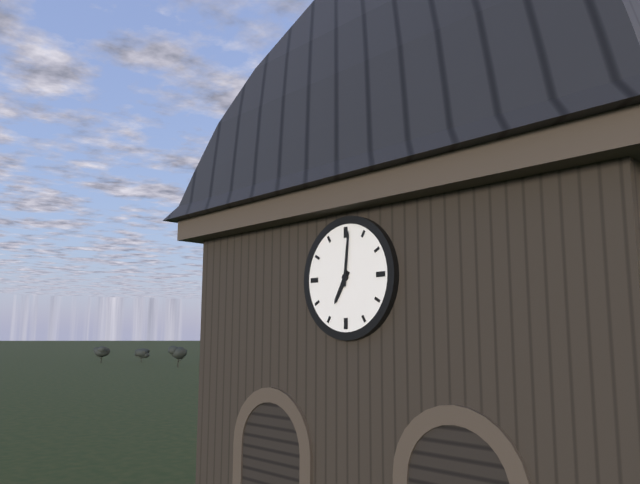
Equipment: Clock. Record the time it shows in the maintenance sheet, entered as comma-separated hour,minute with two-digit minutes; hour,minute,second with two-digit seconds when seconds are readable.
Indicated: 7,01
